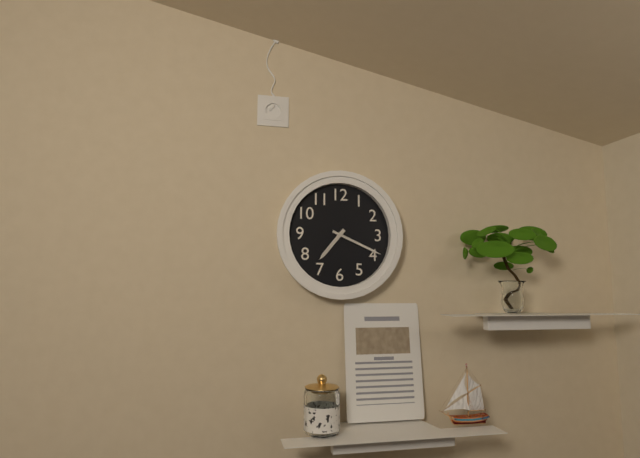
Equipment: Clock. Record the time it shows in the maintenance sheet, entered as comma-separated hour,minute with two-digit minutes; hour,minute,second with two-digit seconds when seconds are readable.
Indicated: 7,19
